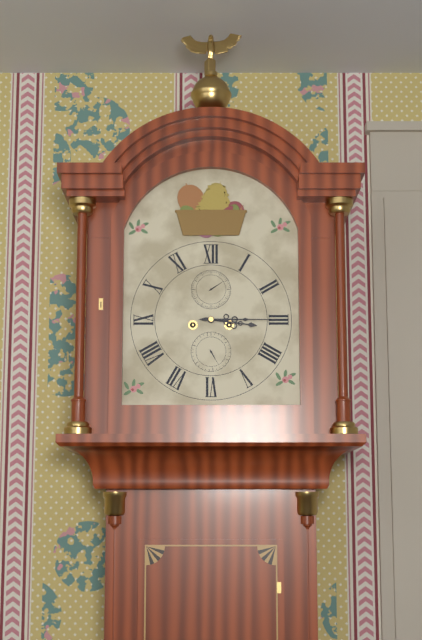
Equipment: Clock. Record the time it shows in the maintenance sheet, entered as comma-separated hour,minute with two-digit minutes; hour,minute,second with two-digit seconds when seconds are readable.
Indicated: 3,15
